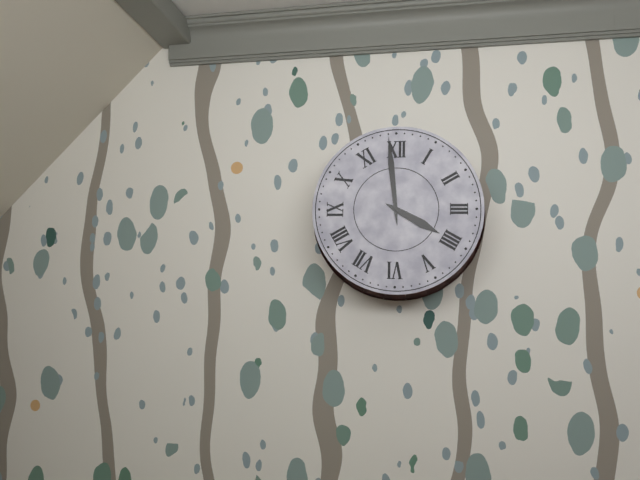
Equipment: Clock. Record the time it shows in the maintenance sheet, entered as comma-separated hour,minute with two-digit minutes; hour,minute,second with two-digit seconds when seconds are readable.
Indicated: 3,59
